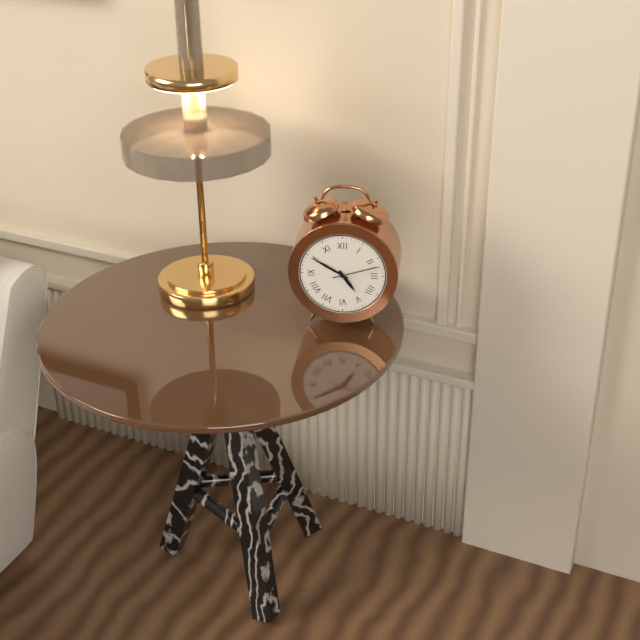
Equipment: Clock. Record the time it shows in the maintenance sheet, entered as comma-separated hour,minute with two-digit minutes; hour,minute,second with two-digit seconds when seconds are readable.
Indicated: 4,50
